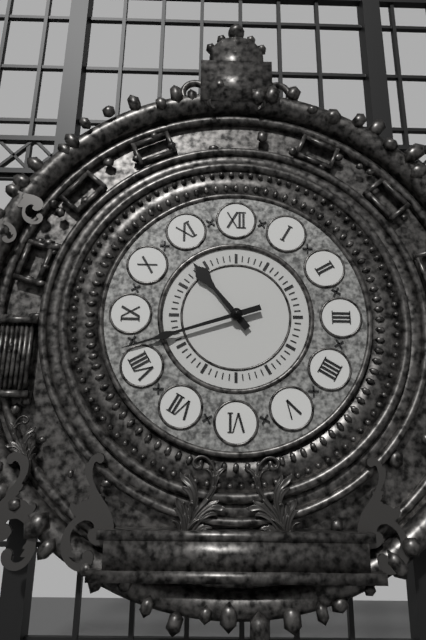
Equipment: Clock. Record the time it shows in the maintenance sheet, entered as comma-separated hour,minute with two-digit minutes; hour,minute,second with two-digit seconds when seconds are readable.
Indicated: 10,42
